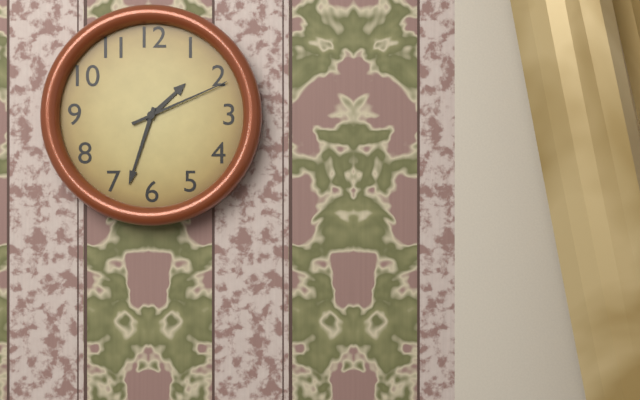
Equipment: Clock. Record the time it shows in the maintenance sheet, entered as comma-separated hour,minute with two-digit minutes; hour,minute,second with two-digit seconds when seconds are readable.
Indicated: 1,33,11
